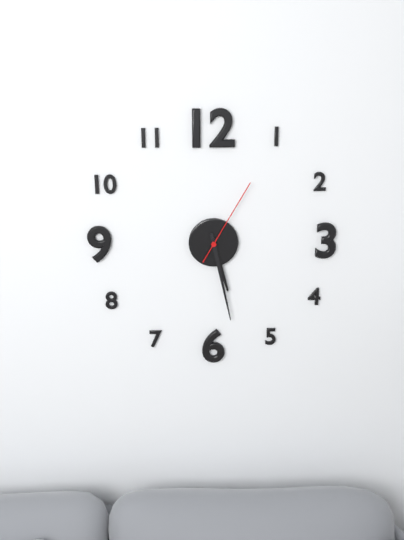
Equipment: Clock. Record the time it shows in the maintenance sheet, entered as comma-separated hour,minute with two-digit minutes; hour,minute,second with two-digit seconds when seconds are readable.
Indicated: 5,28,05
